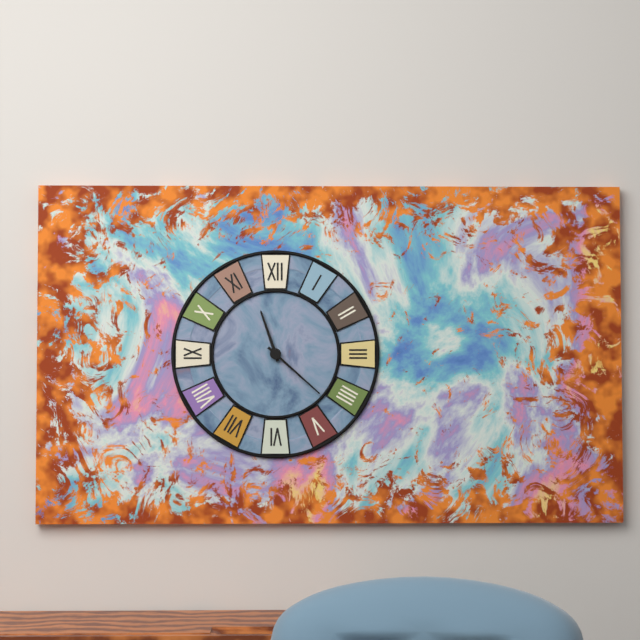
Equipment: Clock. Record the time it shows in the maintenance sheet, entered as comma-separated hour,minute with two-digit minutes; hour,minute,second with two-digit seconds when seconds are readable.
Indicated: 11,22
